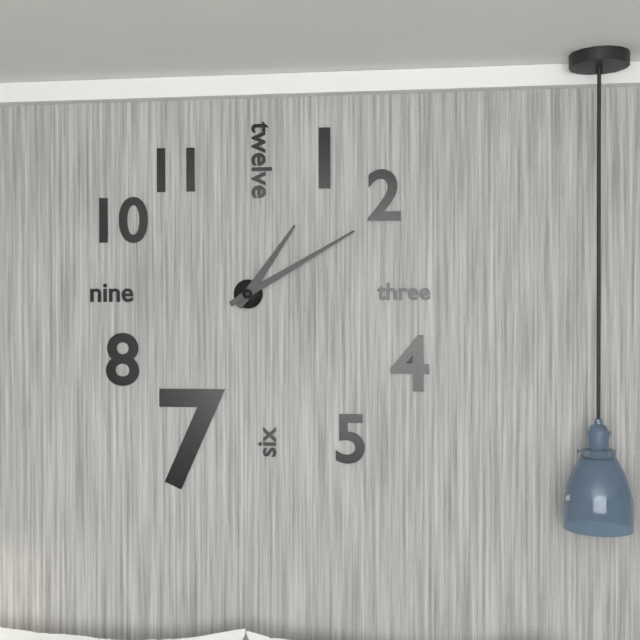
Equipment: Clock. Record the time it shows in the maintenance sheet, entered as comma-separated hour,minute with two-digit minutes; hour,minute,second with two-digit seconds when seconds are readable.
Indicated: 1,10
